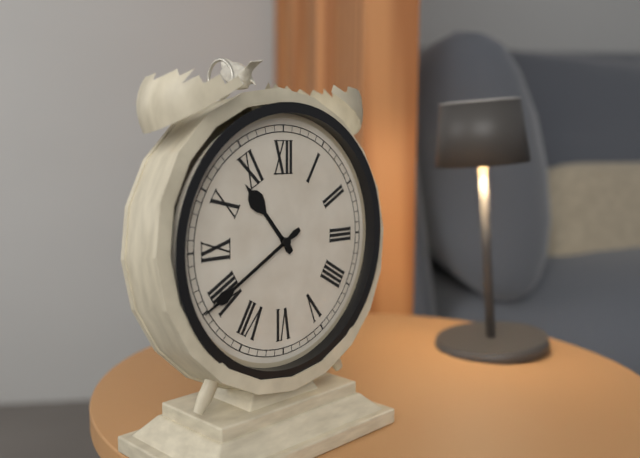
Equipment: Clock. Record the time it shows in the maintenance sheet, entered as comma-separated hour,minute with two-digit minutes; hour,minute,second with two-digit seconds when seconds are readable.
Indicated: 10,40
